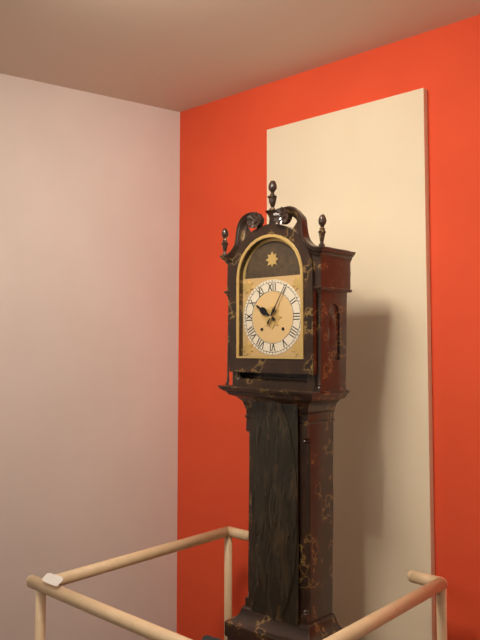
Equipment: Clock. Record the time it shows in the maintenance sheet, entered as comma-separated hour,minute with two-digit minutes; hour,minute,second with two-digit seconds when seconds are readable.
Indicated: 10,05
